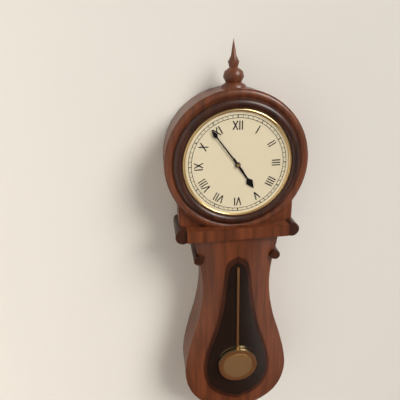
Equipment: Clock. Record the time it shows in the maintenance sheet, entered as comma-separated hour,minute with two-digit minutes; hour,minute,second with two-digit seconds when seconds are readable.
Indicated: 4,54
